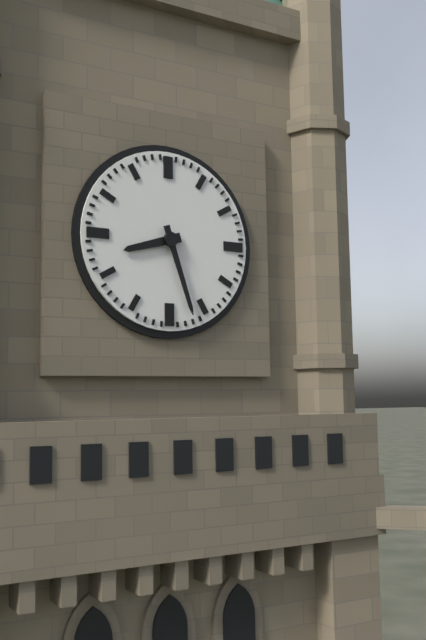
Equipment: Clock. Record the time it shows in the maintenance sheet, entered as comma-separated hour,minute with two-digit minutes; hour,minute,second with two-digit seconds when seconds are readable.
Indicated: 8,27
